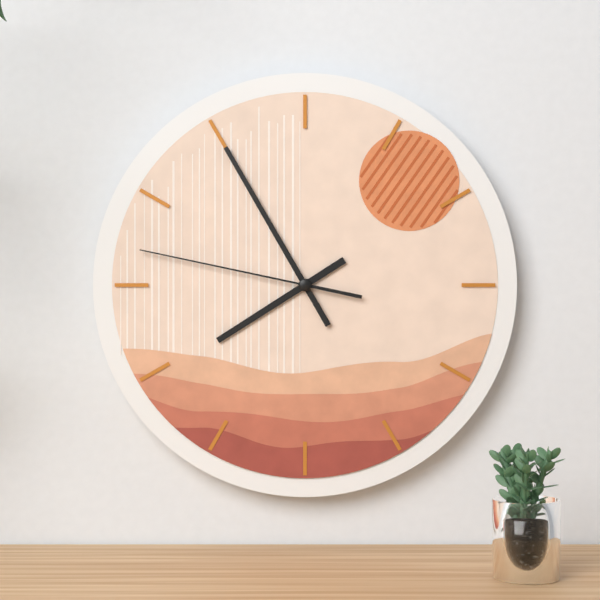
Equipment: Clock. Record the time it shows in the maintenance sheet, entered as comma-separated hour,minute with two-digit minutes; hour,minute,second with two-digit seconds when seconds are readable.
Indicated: 7,55,47
